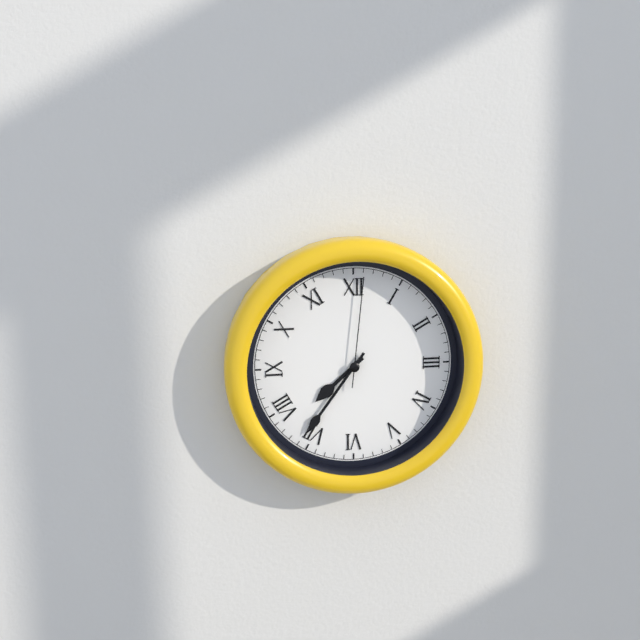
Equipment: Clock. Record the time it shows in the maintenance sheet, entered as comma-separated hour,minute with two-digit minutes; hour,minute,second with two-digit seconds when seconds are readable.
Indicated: 7,36,01
